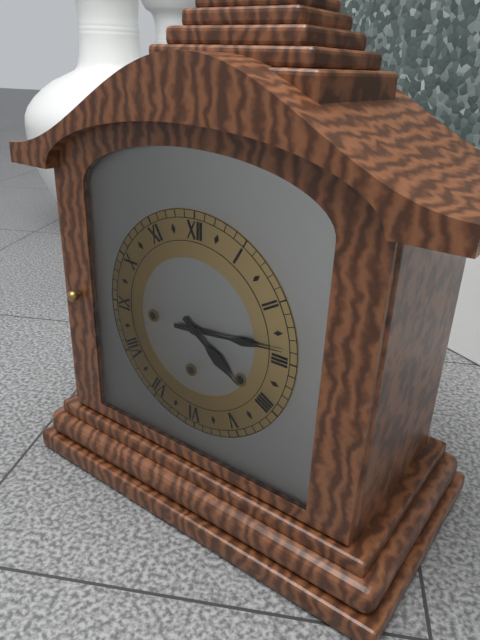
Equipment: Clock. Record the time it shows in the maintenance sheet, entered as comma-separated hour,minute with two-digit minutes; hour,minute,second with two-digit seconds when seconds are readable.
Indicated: 4,14
